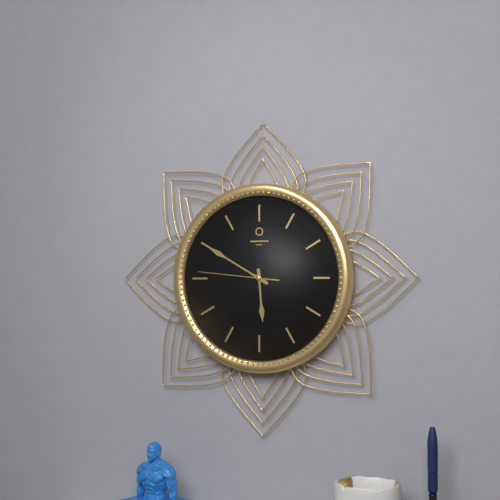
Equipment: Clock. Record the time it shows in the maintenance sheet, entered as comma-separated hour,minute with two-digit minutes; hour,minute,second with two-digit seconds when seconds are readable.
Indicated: 5,50,46
